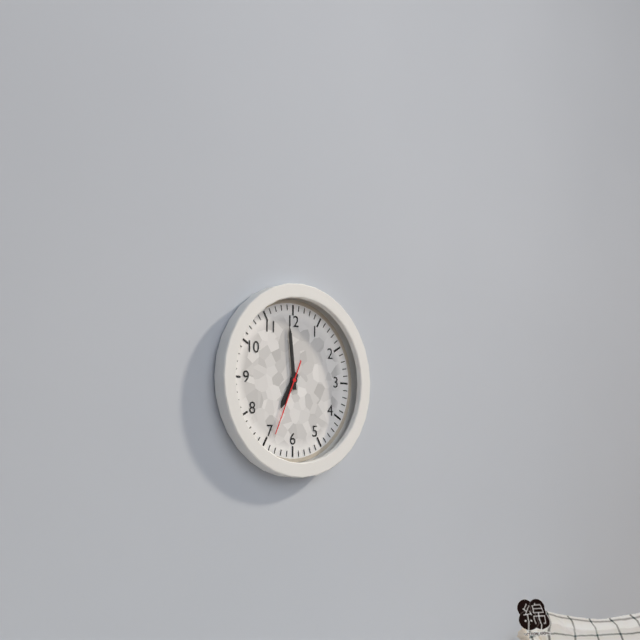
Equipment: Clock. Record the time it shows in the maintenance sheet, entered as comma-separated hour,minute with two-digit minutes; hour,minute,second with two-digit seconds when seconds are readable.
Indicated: 6,59,34
